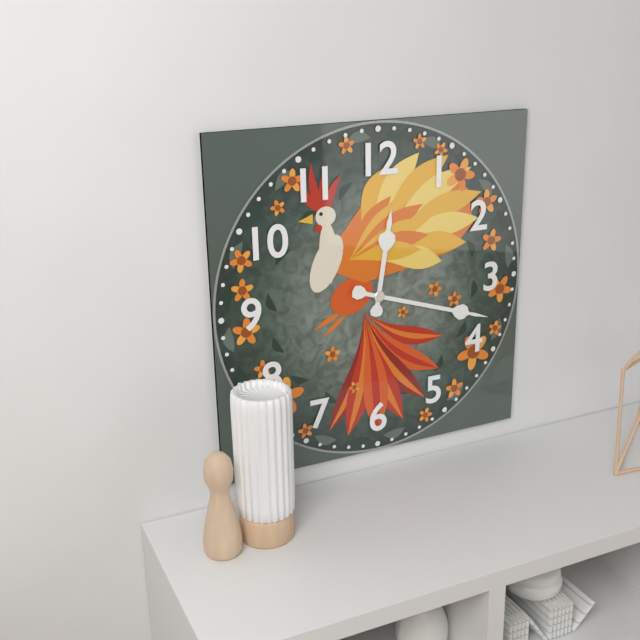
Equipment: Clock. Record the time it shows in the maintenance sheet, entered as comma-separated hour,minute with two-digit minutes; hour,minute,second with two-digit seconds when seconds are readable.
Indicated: 12,18
